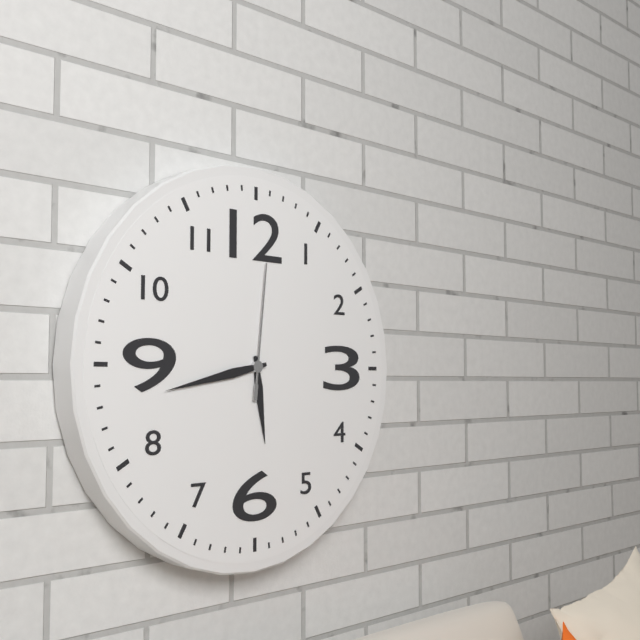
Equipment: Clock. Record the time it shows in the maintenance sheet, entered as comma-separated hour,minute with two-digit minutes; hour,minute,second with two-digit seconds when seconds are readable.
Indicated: 5,43,01
